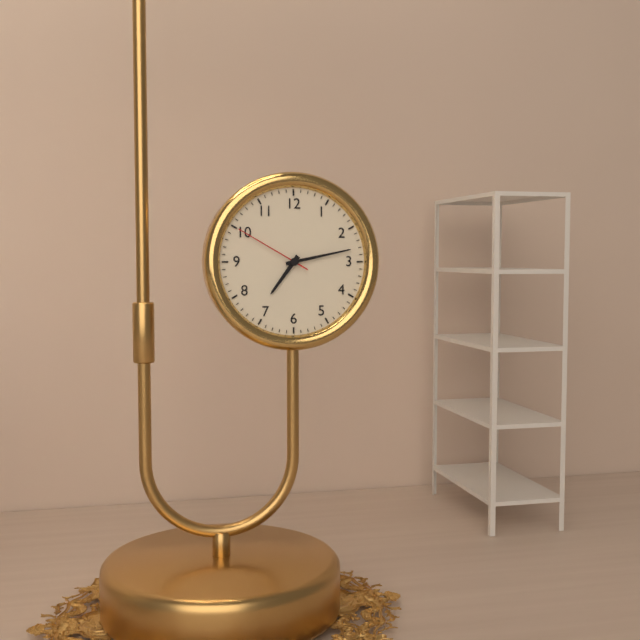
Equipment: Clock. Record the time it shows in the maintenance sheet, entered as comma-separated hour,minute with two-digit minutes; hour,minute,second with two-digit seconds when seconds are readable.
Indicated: 7,13,50
